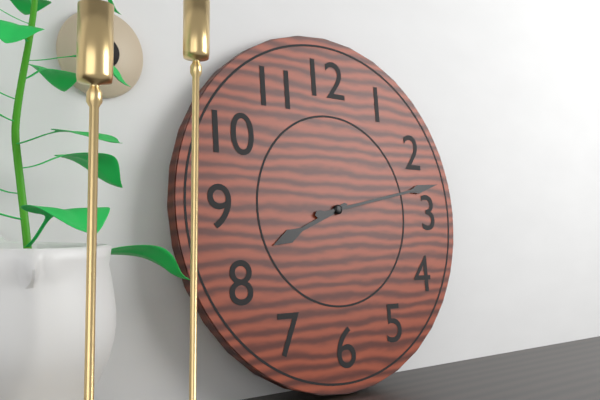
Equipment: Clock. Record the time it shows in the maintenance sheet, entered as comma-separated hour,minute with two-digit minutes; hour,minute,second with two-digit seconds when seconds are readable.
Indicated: 8,13
